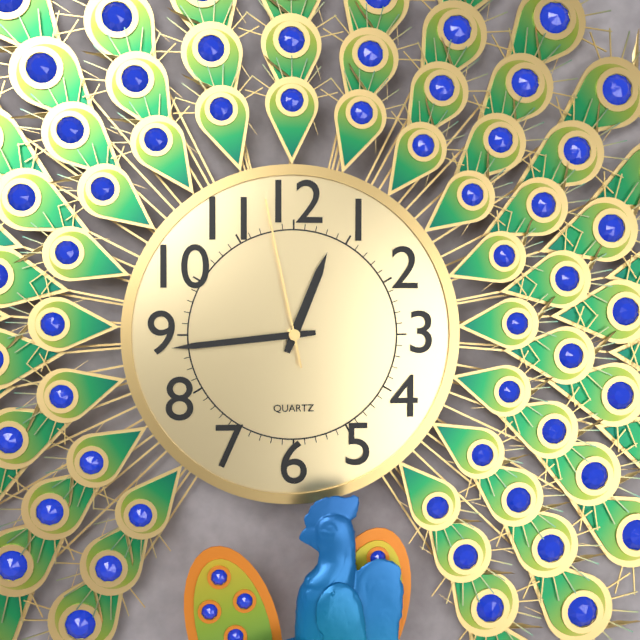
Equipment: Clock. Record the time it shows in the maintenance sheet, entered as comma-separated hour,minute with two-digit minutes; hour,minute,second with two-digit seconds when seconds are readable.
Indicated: 12,44,58
